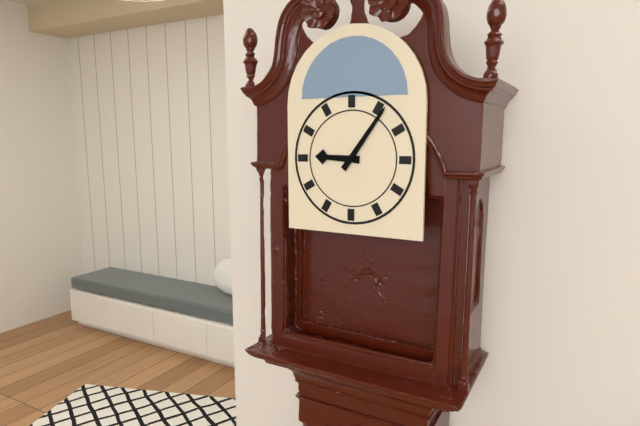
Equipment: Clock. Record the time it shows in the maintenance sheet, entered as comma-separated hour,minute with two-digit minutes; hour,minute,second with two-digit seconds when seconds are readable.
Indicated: 9,06
